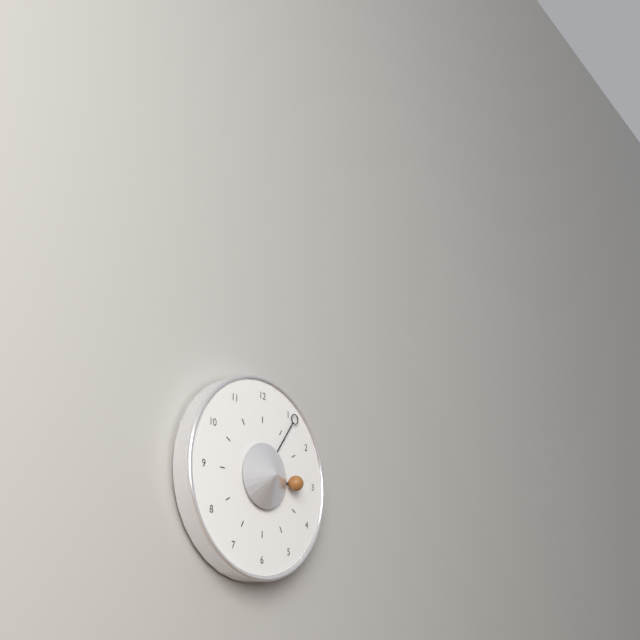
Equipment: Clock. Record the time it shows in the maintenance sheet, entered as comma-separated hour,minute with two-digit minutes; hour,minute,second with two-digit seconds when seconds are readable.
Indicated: 3,06
